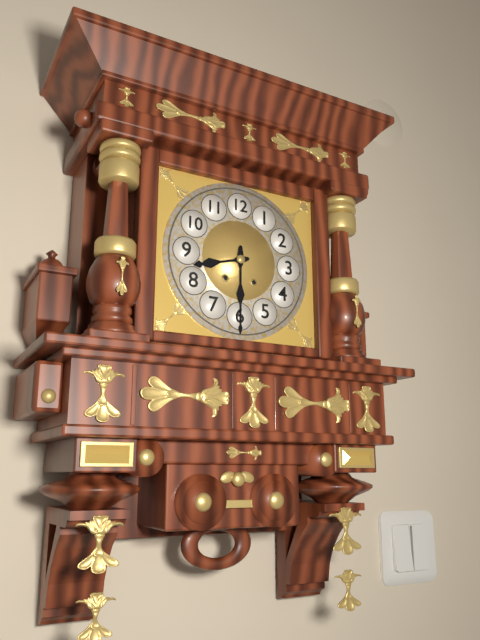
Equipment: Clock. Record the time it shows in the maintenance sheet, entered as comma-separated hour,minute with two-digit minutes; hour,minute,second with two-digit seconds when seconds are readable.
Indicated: 8,30
